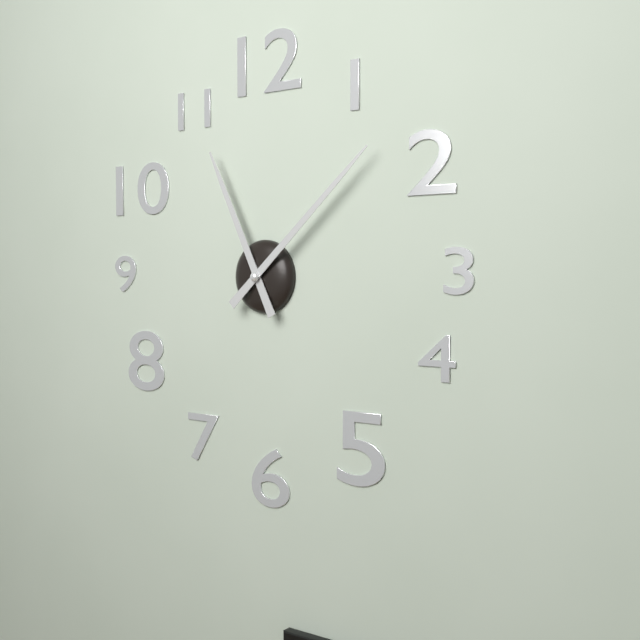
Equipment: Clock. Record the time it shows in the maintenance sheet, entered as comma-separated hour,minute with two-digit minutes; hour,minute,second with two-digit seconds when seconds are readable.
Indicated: 11,08
